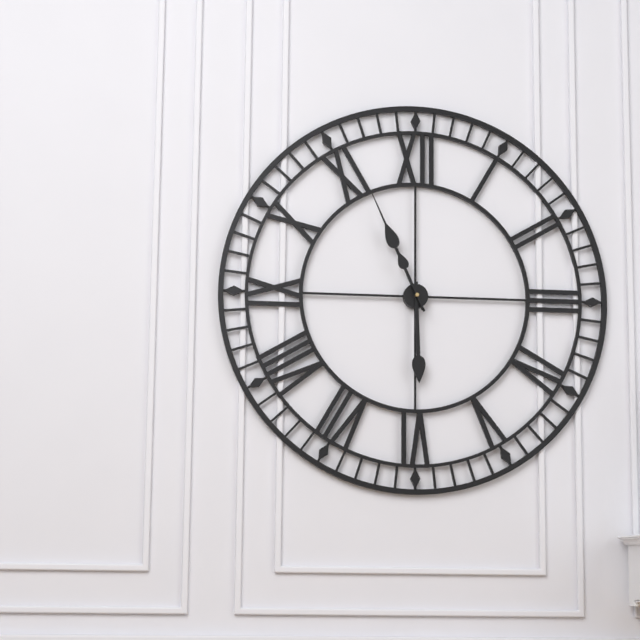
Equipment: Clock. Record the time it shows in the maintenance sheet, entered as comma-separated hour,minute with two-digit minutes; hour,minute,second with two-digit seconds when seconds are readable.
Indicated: 5,56,56
